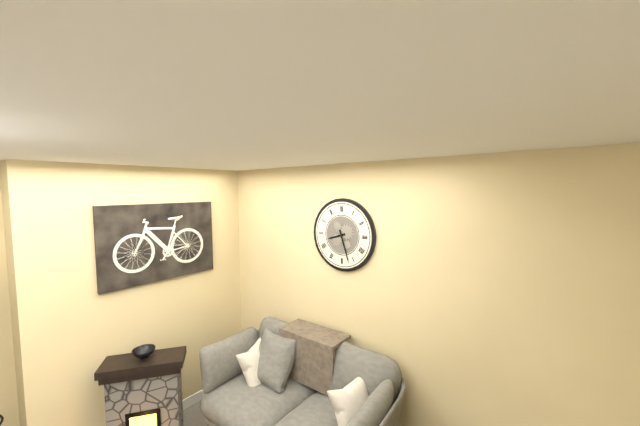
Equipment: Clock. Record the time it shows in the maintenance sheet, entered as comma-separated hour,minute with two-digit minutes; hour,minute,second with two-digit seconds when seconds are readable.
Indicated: 8,27
